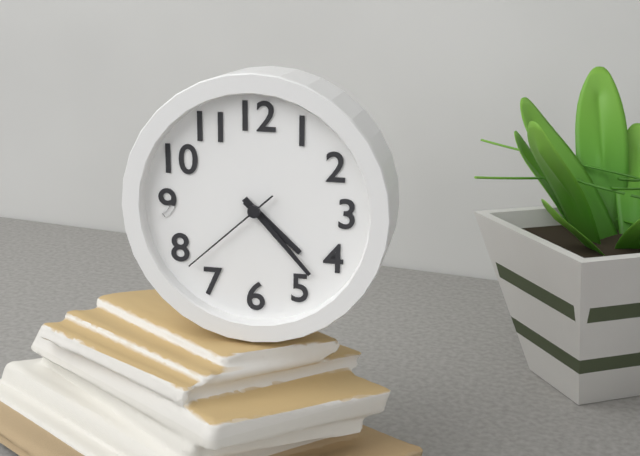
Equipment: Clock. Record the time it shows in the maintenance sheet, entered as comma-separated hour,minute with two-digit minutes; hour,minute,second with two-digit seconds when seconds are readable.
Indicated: 4,23,38
